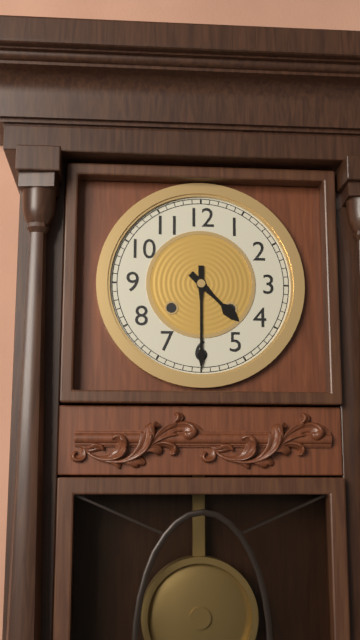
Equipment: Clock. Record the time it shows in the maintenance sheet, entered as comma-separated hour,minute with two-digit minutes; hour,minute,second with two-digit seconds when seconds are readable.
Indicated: 4,30
